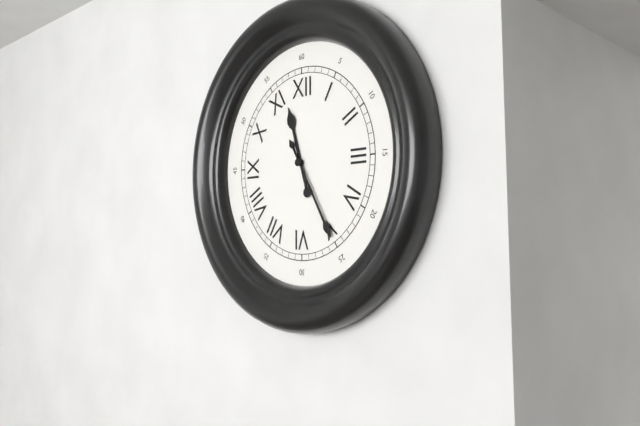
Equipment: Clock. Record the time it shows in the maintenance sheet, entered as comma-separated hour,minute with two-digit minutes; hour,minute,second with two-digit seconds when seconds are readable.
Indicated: 11,25
